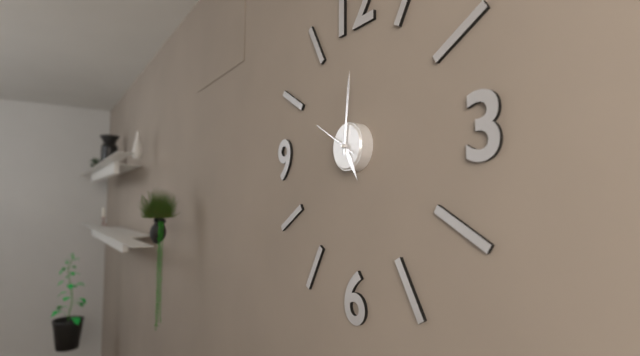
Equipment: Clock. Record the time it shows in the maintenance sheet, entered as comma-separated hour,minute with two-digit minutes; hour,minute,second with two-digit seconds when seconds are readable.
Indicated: 5,01
